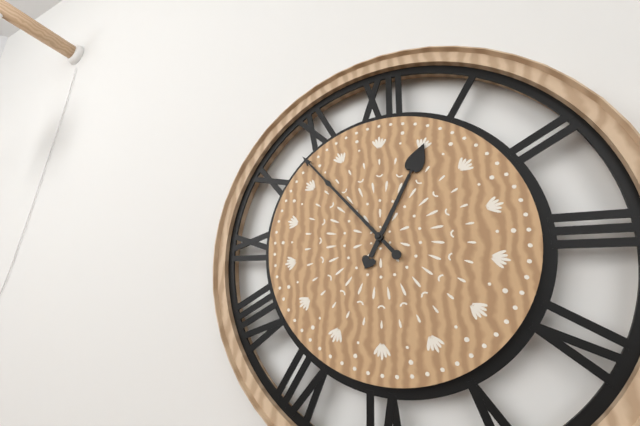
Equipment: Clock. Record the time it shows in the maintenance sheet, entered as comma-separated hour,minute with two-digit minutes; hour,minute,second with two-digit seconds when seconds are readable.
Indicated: 12,53
